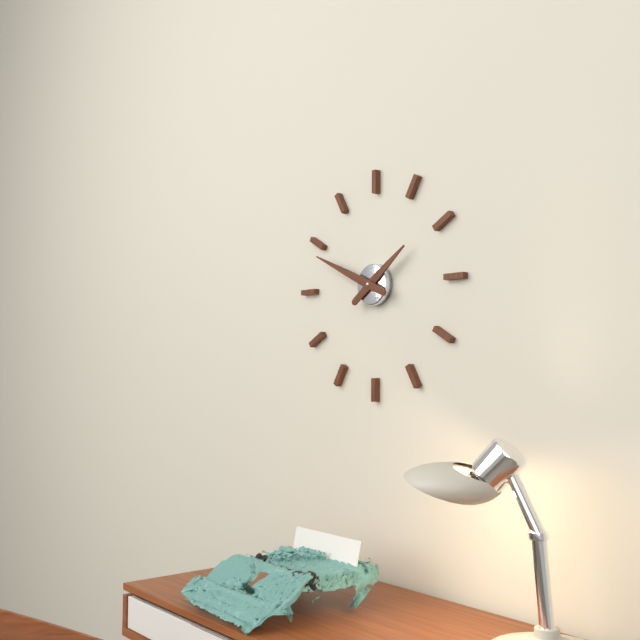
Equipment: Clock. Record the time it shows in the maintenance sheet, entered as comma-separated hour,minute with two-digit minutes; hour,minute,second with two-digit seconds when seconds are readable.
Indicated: 1,49
